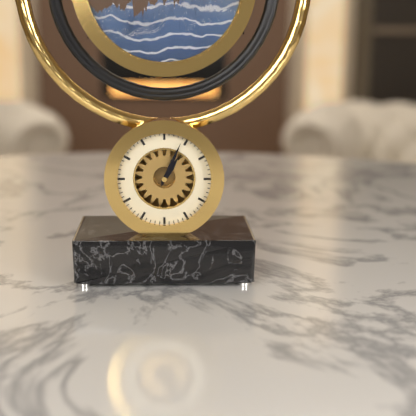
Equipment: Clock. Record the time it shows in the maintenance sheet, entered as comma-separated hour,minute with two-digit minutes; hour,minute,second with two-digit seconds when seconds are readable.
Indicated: 1,04
